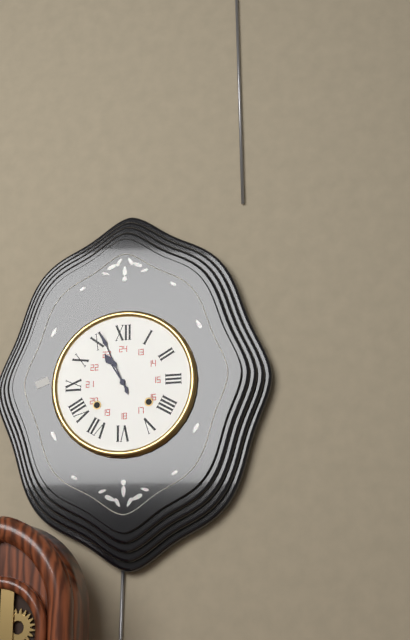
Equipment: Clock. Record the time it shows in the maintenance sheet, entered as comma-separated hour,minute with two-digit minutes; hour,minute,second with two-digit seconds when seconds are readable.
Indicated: 10,56
